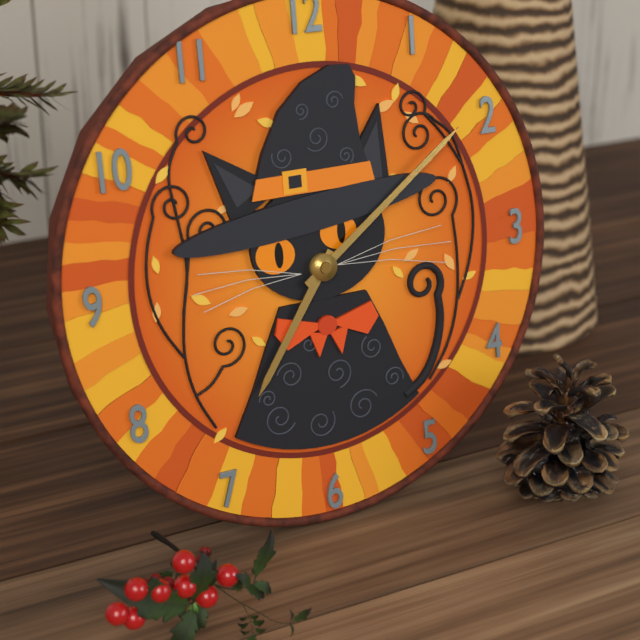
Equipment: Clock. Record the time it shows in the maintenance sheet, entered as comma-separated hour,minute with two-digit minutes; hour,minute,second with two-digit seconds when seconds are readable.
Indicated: 7,09
